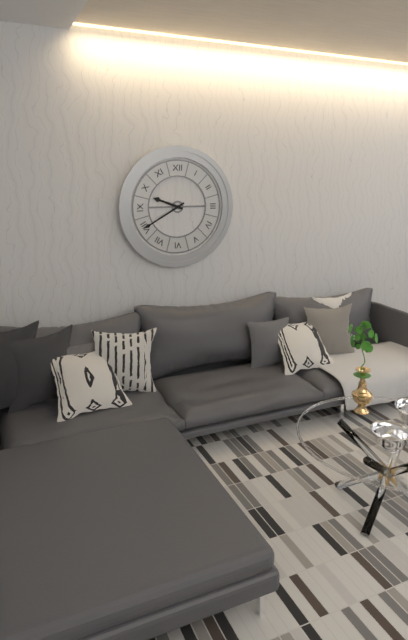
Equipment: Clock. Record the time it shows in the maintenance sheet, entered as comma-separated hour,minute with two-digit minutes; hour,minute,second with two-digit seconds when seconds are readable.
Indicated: 9,40
